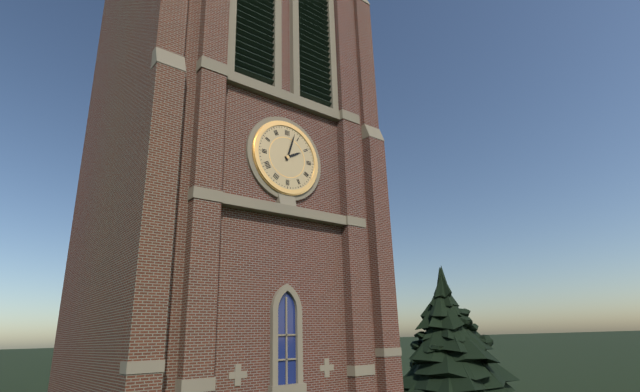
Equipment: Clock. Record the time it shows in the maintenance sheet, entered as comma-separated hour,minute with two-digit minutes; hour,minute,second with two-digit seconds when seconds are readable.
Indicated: 2,03
